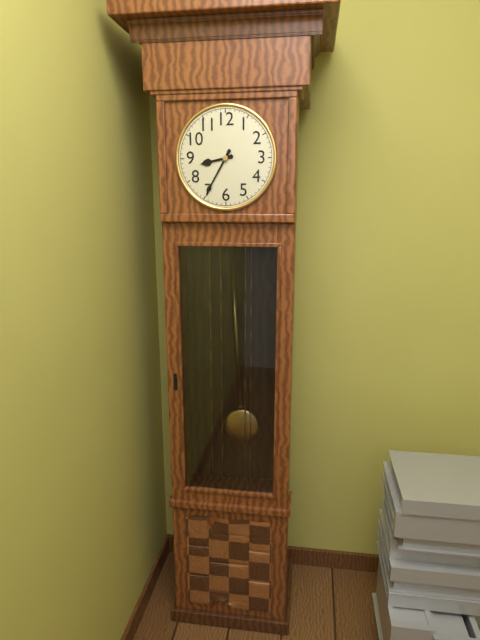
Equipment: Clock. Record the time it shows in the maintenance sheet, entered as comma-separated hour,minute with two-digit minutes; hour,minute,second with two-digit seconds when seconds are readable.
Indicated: 8,35
